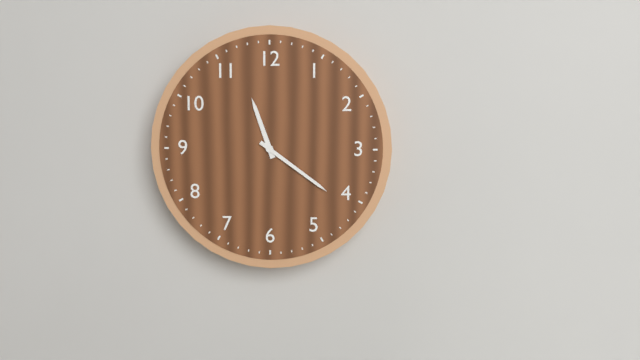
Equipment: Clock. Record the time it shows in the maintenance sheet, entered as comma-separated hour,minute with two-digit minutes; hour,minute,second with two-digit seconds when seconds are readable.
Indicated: 11,21
